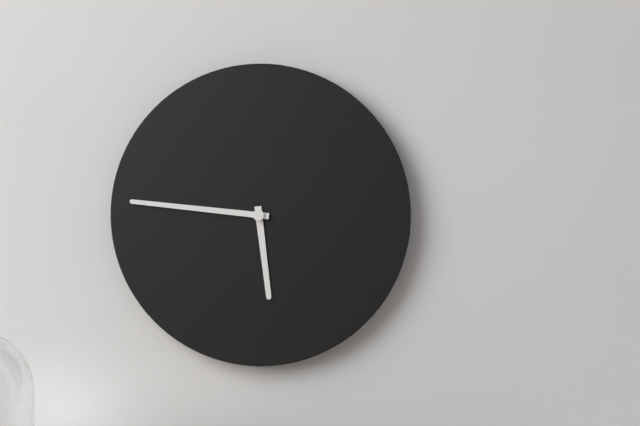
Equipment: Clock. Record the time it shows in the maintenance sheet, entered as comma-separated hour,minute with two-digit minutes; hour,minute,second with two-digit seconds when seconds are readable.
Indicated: 5,46
